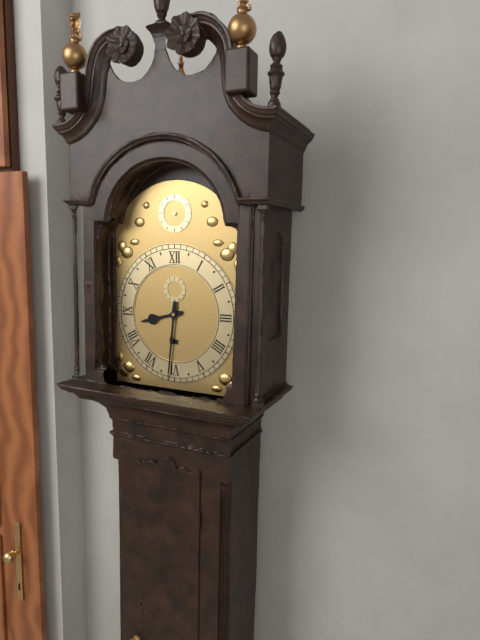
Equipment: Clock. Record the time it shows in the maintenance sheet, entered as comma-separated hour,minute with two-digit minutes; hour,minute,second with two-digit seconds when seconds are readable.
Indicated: 8,31
